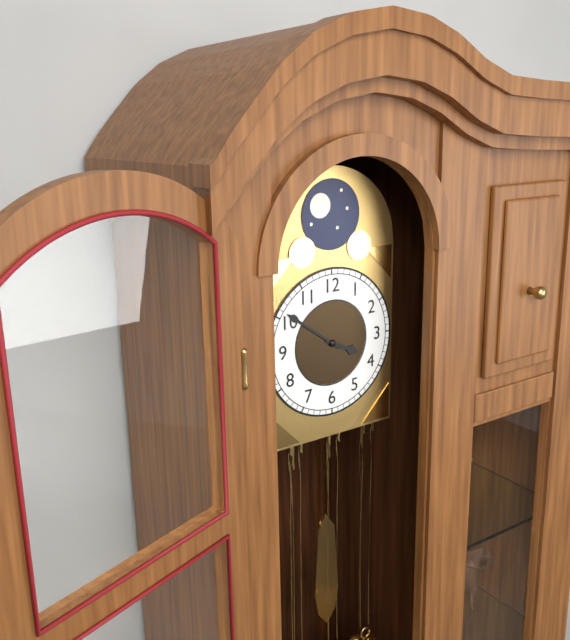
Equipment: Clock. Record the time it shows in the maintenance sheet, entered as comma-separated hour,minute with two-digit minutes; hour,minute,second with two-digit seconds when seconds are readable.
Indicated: 3,51
